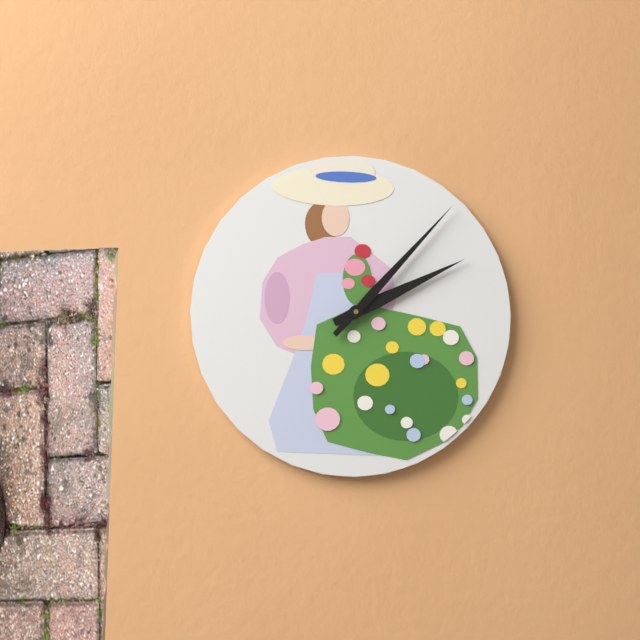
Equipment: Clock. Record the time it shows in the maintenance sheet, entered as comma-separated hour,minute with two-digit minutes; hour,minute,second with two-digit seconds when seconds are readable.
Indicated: 2,07
